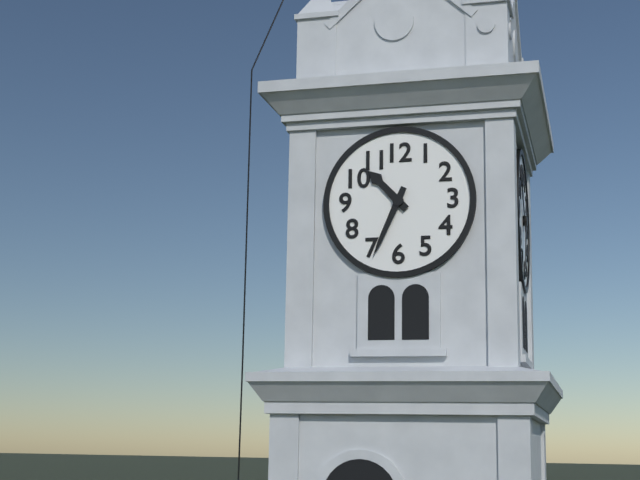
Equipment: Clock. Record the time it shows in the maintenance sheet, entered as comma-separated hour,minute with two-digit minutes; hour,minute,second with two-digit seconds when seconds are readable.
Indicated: 10,34
